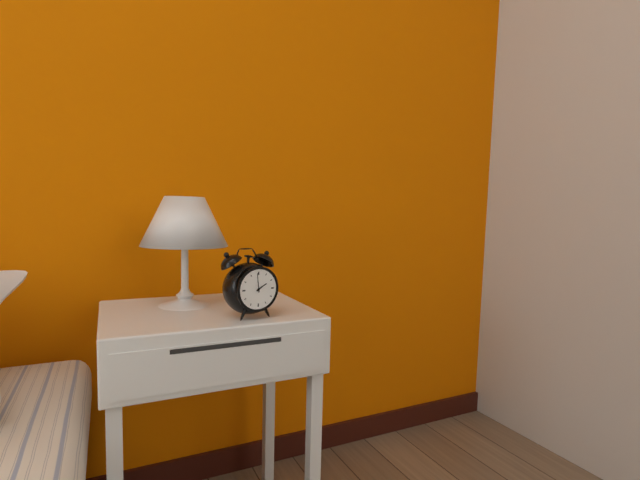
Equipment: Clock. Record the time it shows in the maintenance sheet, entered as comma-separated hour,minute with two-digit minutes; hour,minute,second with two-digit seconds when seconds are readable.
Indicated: 1,59
